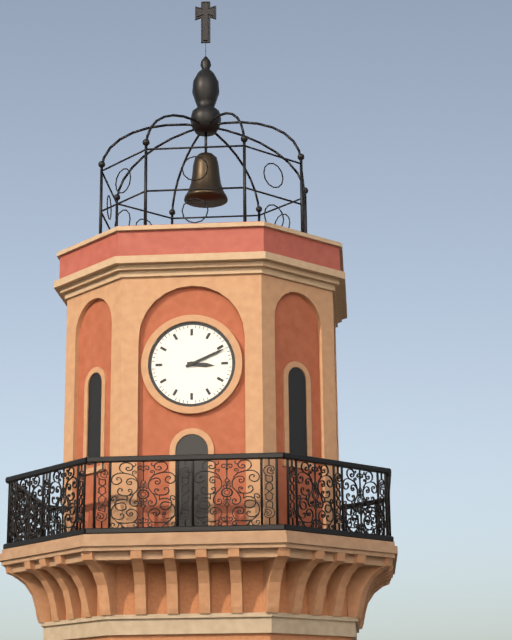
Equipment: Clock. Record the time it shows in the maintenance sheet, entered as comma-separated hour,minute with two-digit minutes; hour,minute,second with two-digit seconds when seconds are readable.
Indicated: 3,11
